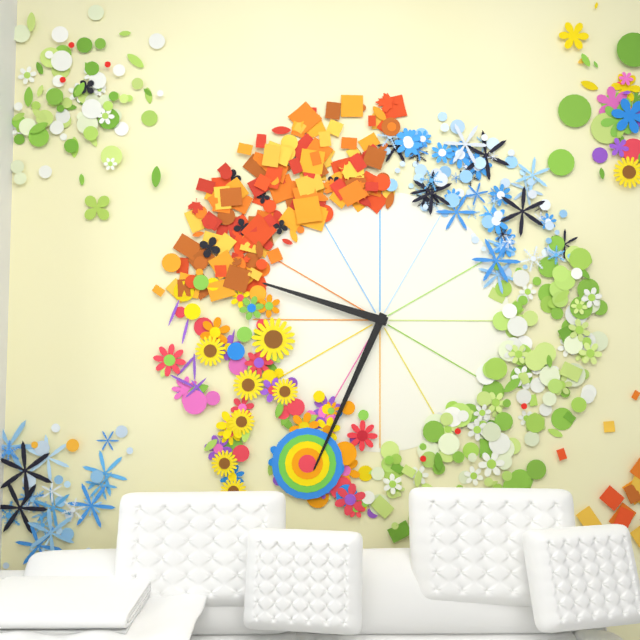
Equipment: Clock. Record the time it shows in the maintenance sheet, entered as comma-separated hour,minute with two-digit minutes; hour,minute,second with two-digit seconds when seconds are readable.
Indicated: 9,34
